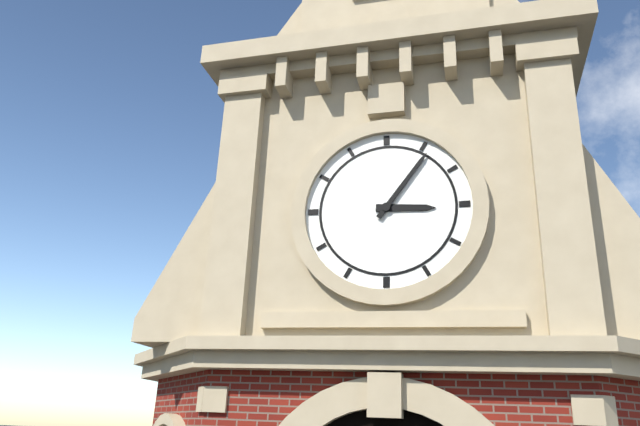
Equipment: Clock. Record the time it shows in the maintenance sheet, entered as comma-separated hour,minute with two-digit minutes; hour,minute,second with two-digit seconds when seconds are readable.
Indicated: 3,06
